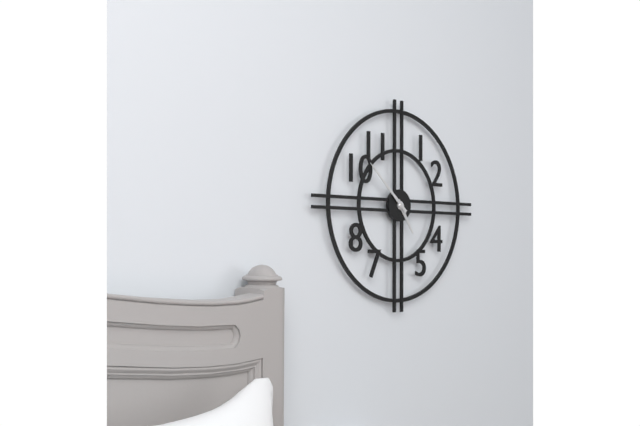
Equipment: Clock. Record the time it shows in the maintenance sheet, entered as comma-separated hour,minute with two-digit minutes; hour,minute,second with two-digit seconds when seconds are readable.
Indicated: 4,52
